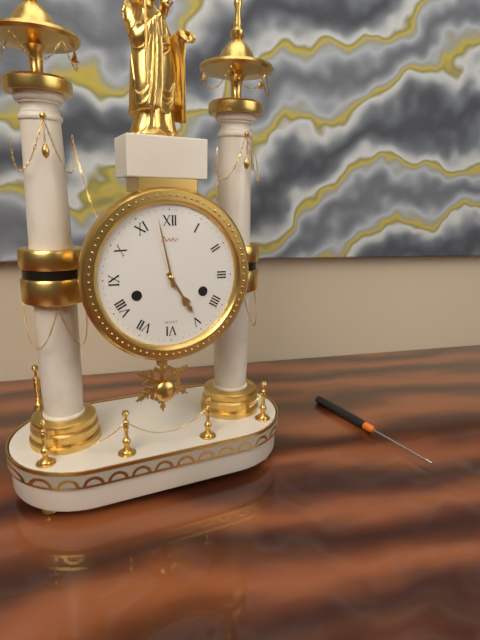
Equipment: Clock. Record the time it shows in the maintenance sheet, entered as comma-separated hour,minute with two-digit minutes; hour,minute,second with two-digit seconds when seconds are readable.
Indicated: 4,58
